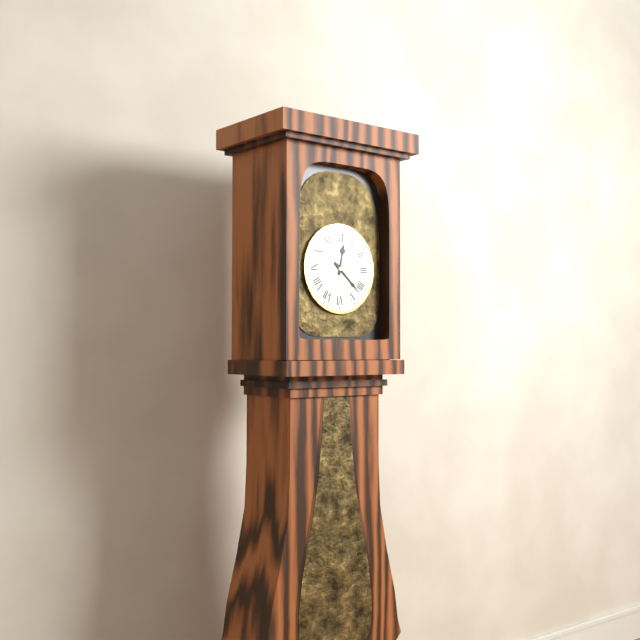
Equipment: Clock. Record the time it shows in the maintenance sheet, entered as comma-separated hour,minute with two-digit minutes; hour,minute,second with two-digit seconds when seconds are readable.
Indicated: 12,22
